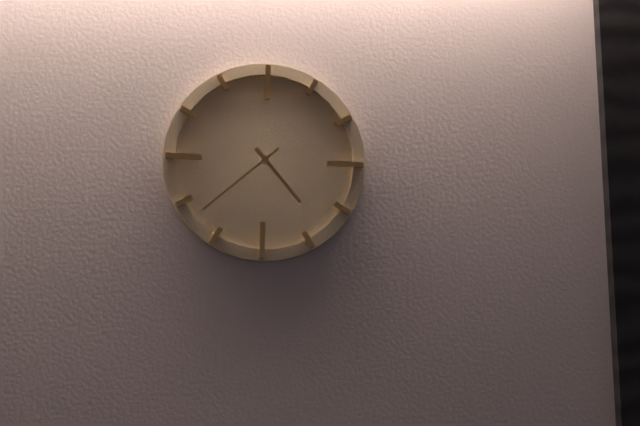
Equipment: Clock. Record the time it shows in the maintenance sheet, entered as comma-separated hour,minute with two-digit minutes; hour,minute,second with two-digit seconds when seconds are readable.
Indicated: 4,38
